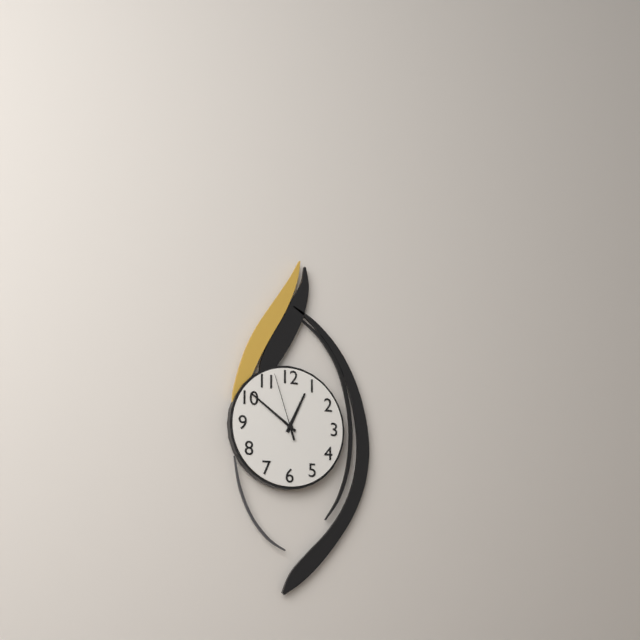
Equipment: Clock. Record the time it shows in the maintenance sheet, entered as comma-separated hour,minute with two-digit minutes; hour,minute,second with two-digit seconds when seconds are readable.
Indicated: 12,51,57
